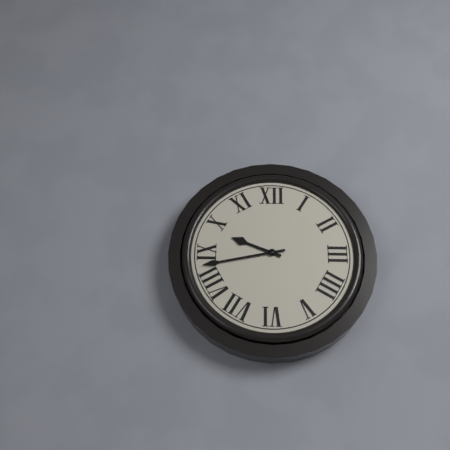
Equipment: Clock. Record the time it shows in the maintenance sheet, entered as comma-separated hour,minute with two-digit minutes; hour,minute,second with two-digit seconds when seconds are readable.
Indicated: 9,43
